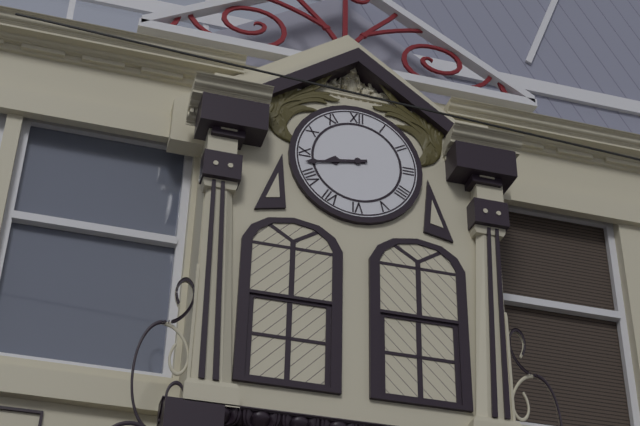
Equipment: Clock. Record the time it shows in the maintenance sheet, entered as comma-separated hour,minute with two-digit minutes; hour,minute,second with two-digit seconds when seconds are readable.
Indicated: 8,43
